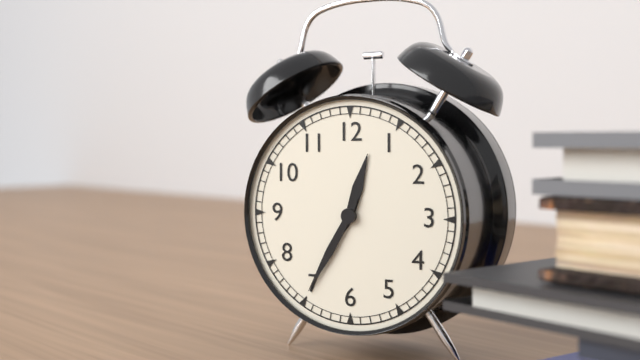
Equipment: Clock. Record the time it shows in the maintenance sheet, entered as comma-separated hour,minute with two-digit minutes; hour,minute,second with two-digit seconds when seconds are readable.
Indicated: 12,35
